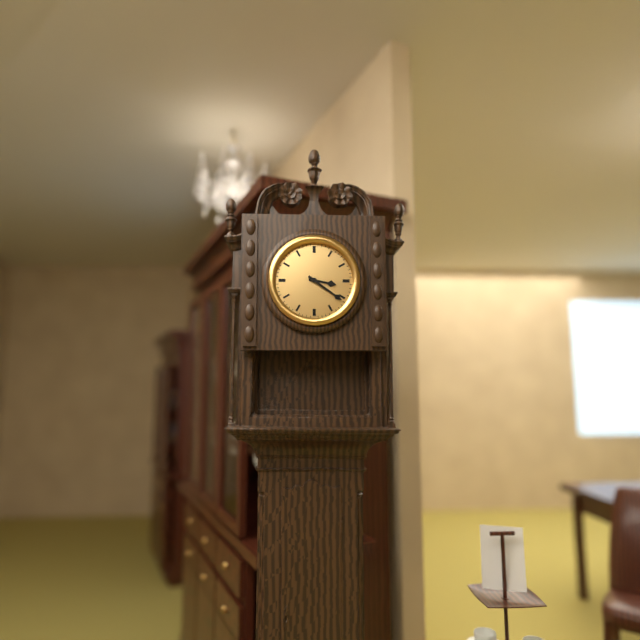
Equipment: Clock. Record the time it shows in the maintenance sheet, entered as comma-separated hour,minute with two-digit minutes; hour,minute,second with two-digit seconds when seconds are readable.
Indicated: 3,21
